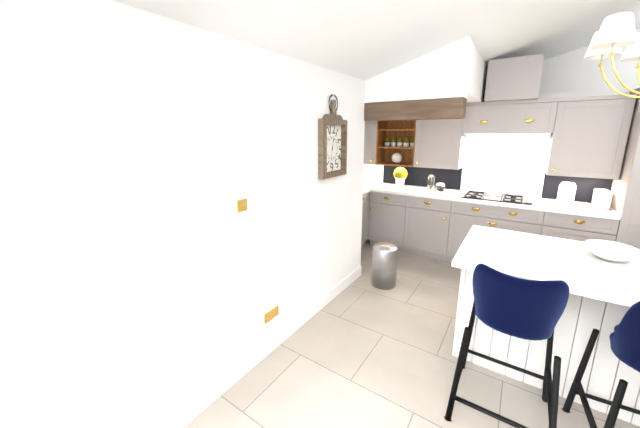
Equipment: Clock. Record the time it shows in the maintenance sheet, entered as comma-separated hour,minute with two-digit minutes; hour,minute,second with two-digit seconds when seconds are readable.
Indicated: 12,32
